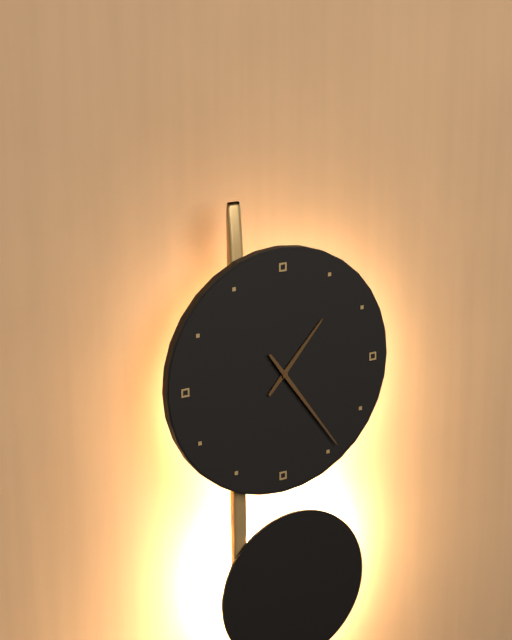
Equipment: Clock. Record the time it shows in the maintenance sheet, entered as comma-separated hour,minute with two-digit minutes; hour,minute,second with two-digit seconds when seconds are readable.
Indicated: 1,24
